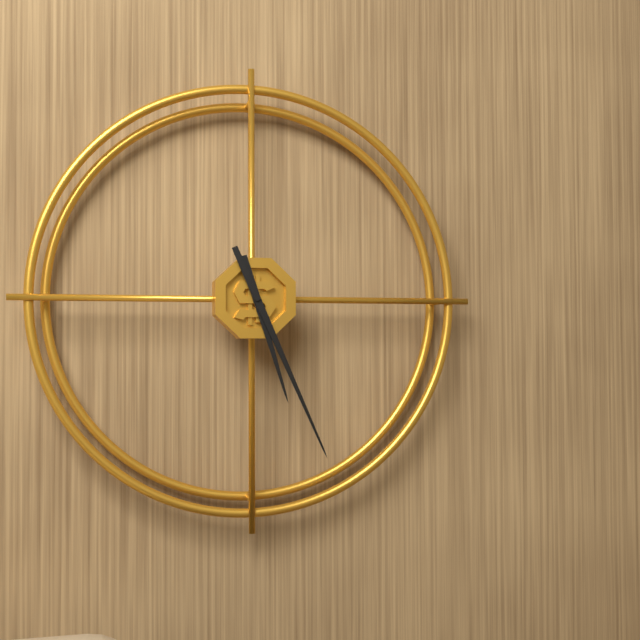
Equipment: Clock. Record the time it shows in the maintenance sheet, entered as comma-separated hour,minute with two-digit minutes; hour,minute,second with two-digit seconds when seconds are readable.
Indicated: 5,26
